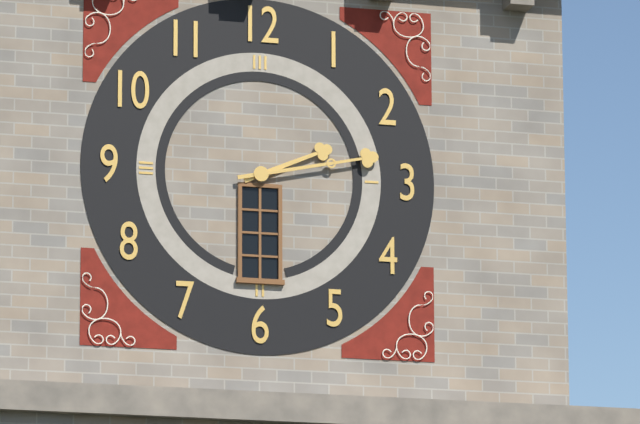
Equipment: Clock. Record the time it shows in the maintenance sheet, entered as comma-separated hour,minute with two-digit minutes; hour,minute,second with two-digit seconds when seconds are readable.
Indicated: 2,13
